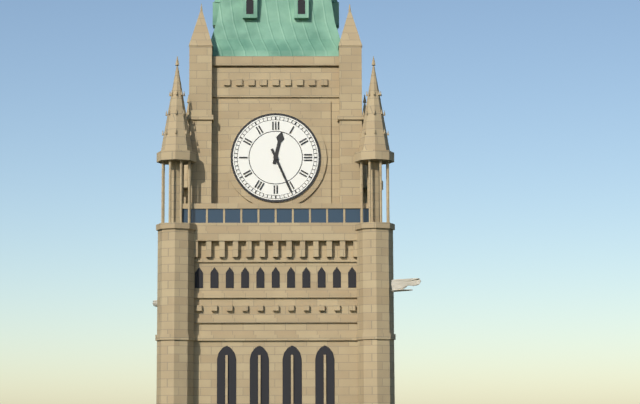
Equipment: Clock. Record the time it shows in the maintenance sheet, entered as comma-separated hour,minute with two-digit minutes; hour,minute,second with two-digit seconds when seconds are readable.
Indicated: 12,26
